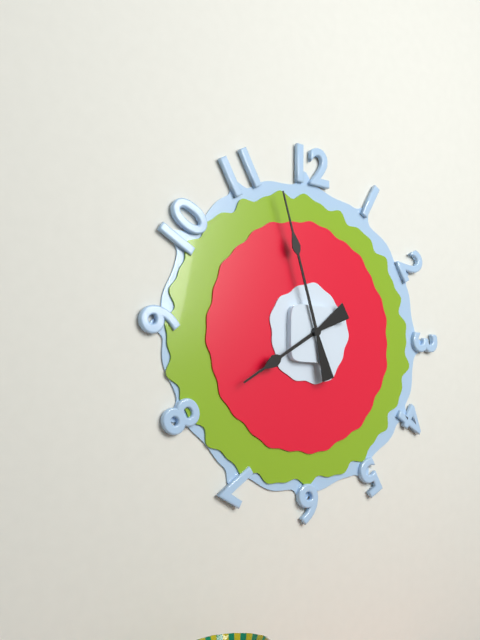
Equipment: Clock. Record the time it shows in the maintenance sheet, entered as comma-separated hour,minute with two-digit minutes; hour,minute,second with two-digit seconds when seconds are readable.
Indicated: 7,57
